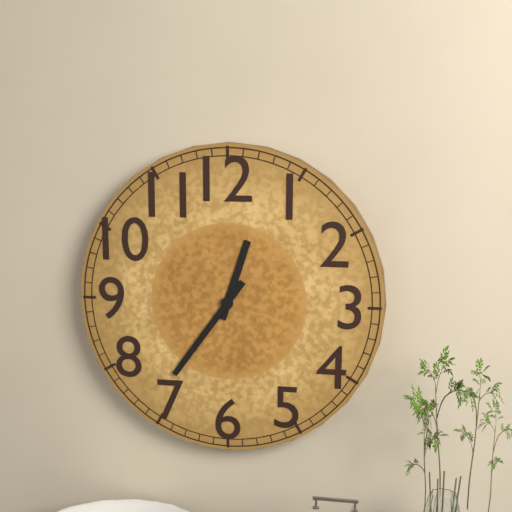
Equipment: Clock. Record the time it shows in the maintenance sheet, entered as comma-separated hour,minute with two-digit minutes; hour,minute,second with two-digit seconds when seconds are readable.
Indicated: 12,36
